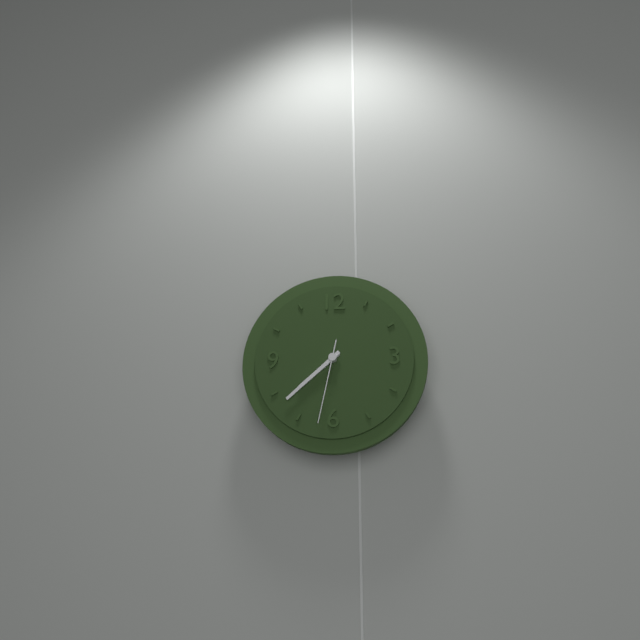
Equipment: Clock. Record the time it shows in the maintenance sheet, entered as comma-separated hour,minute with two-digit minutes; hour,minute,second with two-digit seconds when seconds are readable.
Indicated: 7,38,32
